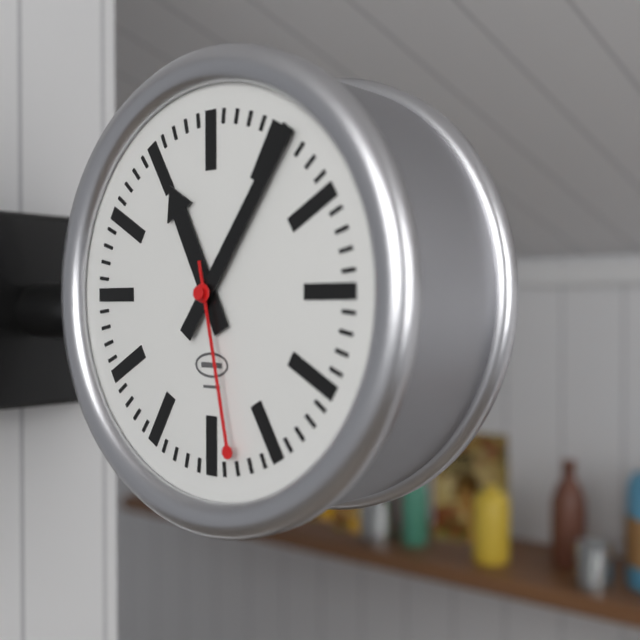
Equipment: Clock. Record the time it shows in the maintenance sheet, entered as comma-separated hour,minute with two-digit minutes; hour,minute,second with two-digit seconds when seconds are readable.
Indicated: 11,06,28
